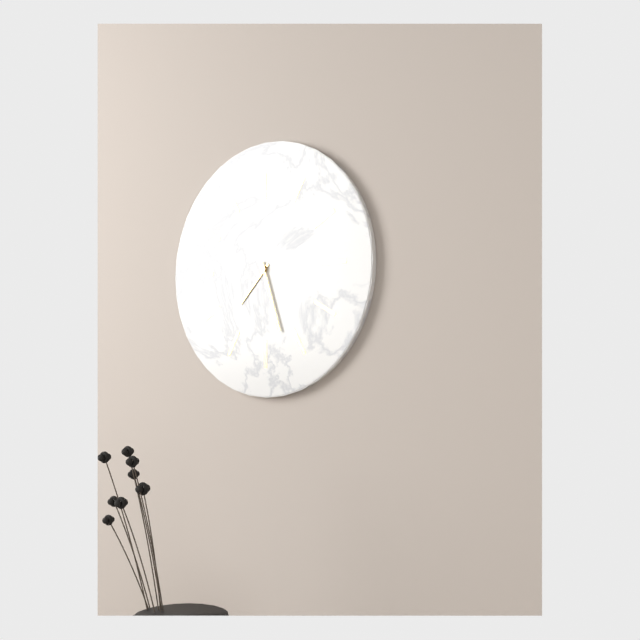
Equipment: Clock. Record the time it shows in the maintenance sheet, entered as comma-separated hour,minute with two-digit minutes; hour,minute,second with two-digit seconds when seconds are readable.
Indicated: 7,27
